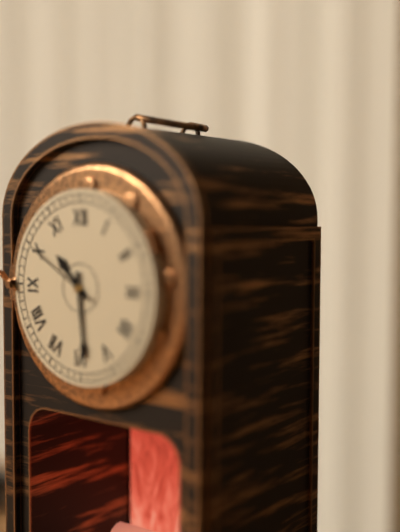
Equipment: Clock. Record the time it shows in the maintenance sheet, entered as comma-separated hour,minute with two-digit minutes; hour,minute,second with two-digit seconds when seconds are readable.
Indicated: 10,29,50
